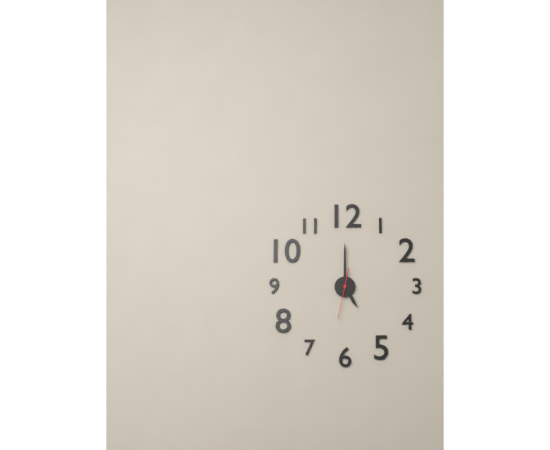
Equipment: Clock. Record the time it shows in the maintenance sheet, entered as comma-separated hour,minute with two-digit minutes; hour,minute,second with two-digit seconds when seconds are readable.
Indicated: 5,00
